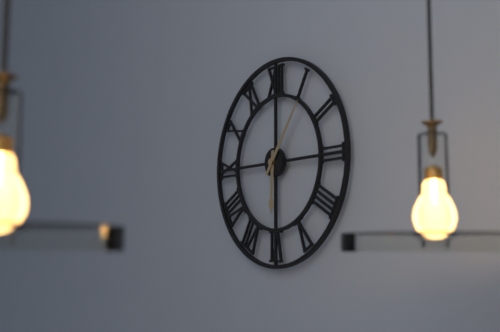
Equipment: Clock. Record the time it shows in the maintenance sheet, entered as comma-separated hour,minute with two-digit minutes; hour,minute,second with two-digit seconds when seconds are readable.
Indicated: 6,06
